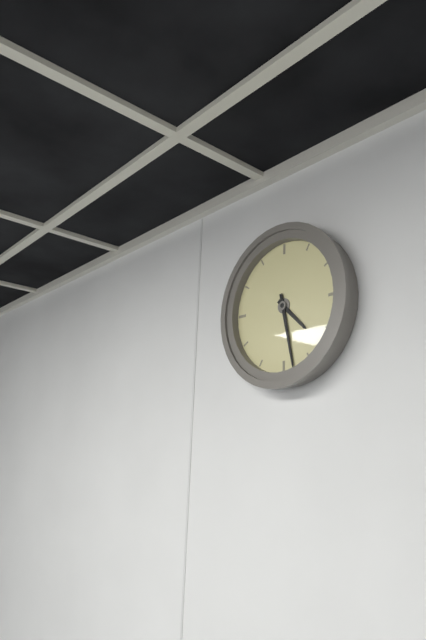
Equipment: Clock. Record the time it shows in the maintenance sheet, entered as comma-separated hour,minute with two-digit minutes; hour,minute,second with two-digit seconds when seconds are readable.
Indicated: 4,28
